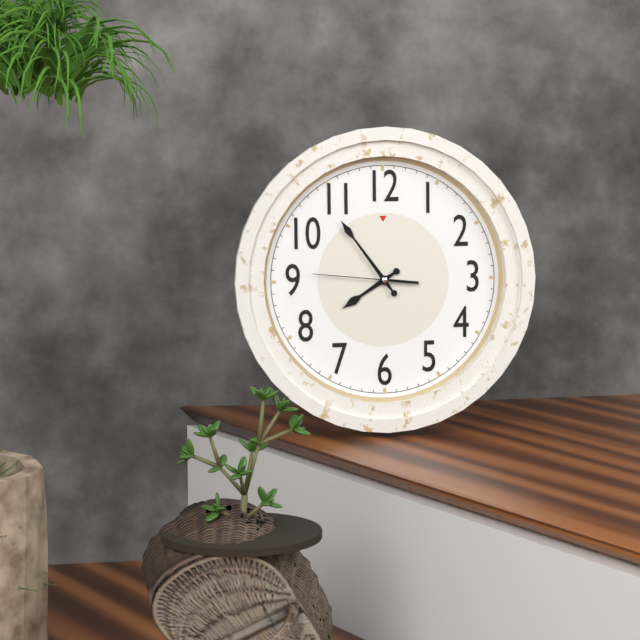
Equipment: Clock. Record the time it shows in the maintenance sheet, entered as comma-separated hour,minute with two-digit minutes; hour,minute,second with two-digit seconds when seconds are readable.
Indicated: 7,54,46
